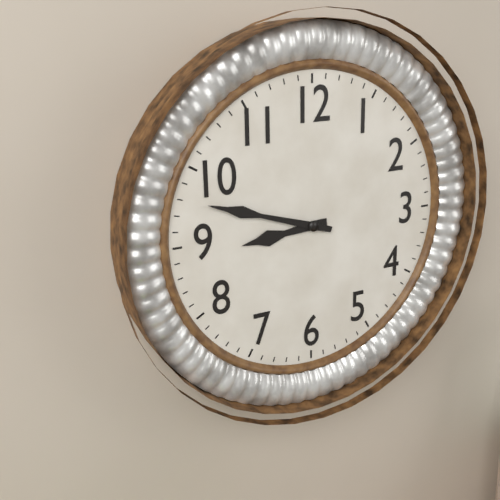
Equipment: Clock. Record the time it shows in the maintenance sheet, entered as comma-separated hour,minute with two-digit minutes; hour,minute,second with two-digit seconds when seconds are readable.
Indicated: 8,48
